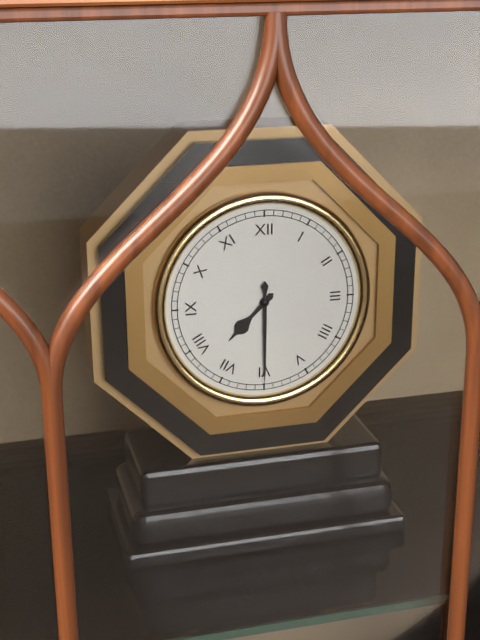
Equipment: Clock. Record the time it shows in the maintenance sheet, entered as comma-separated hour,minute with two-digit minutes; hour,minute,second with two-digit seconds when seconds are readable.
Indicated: 7,30
